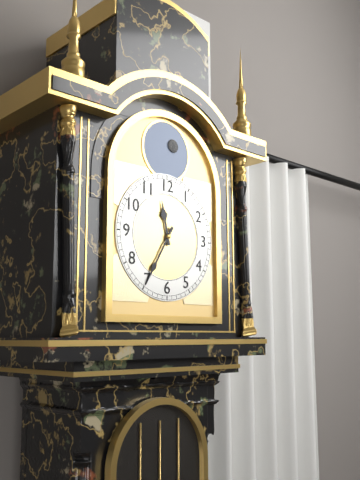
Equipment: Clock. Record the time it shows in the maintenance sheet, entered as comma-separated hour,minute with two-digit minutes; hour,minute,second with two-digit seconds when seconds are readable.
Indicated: 11,35
